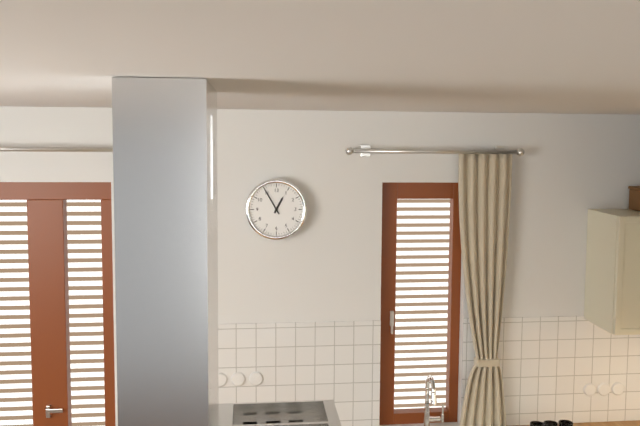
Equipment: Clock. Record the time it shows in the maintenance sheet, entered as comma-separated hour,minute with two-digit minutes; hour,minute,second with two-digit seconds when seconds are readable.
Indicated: 12,55
